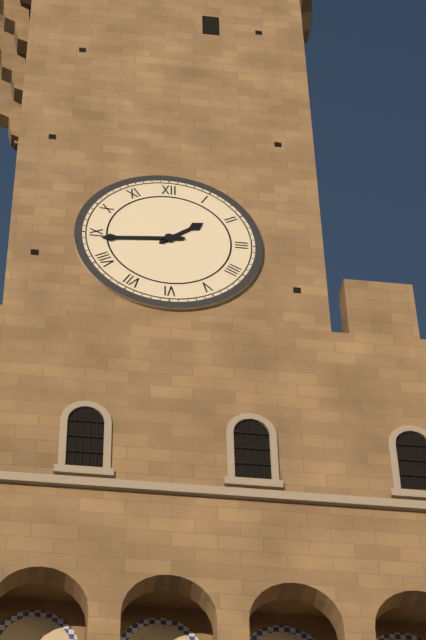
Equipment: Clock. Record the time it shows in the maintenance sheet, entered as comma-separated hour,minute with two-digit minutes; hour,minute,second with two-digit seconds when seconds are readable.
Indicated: 1,44
